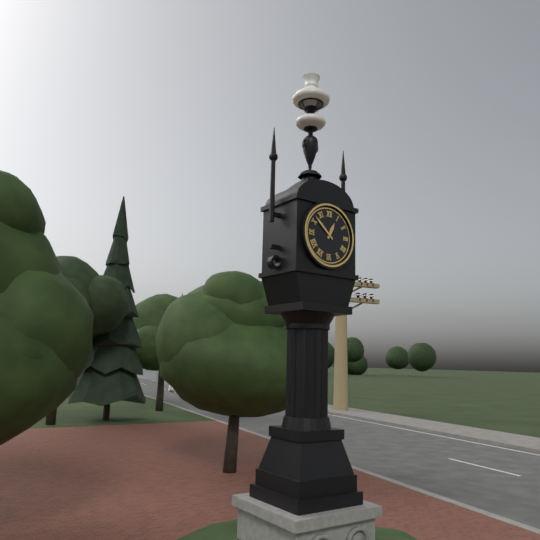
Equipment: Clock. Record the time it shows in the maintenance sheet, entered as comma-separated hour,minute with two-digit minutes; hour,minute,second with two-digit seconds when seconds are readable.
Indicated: 12,52
